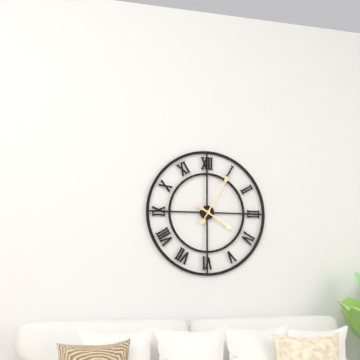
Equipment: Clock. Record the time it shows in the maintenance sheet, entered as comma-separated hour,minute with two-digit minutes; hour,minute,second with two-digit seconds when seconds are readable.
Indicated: 4,05
